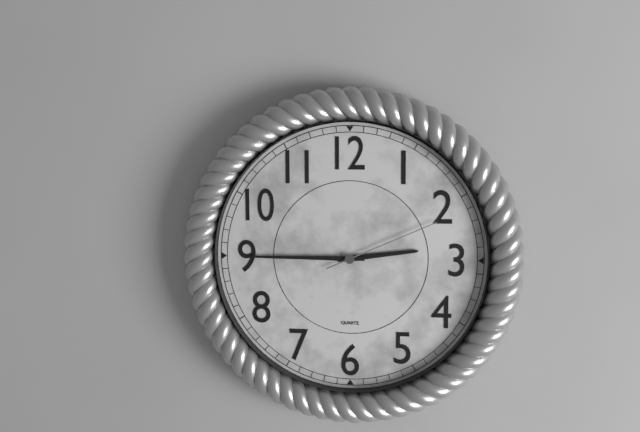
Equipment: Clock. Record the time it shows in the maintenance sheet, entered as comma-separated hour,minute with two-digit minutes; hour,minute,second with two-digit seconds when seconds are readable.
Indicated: 2,45,11
